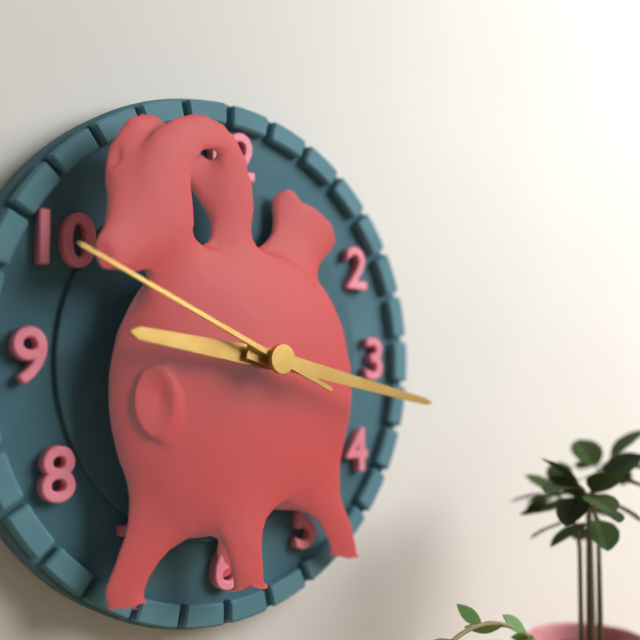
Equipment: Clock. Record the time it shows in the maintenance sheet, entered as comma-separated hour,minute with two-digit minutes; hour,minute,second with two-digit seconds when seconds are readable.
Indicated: 9,17,49
